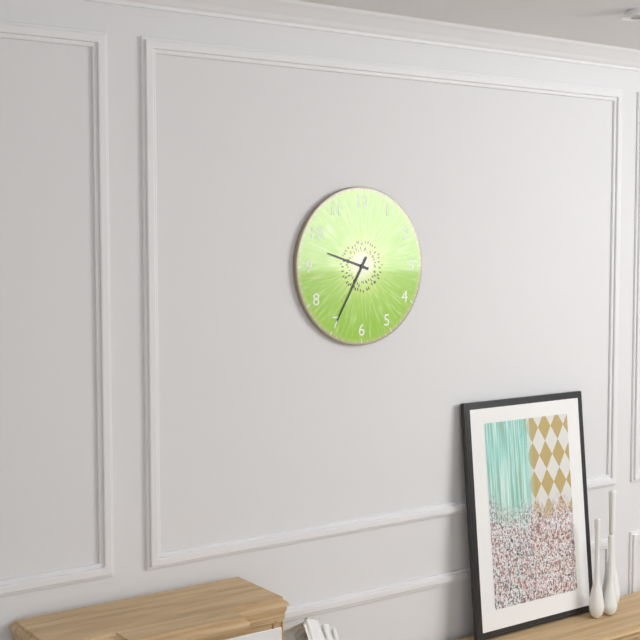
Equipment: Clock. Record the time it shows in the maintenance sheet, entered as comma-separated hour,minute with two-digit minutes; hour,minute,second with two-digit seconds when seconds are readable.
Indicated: 9,35
